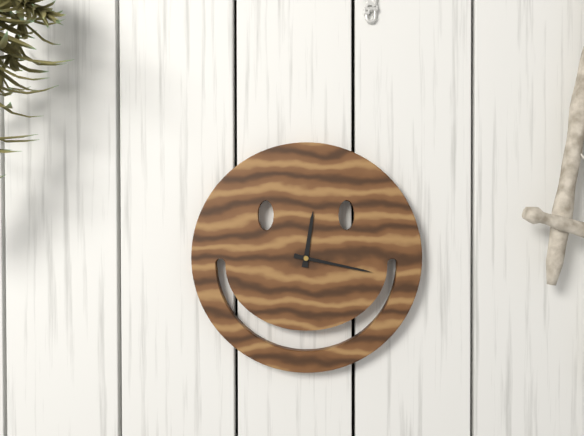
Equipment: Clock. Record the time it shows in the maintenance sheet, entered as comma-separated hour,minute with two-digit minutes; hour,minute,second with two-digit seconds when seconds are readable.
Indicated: 12,17
